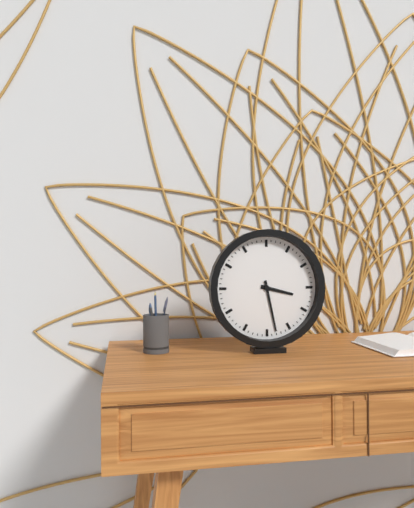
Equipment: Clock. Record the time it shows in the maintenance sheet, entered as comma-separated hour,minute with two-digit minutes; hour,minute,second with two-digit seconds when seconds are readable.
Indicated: 3,28
